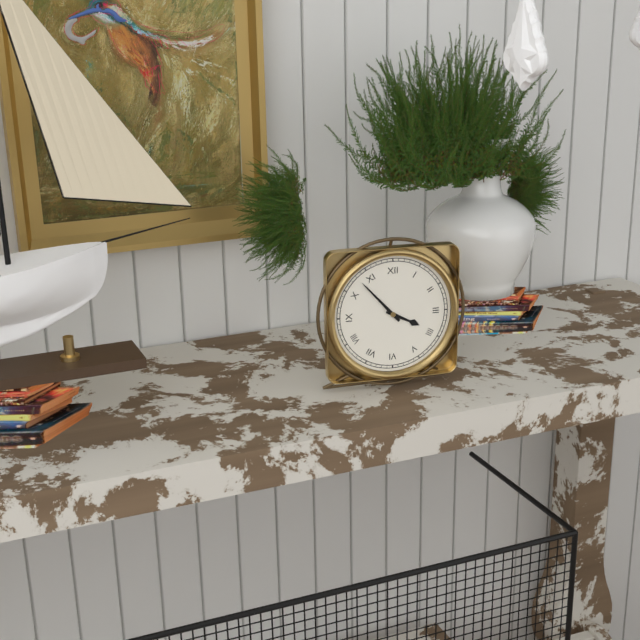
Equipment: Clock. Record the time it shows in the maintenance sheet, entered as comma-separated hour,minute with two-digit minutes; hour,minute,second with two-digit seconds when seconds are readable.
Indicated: 3,53
